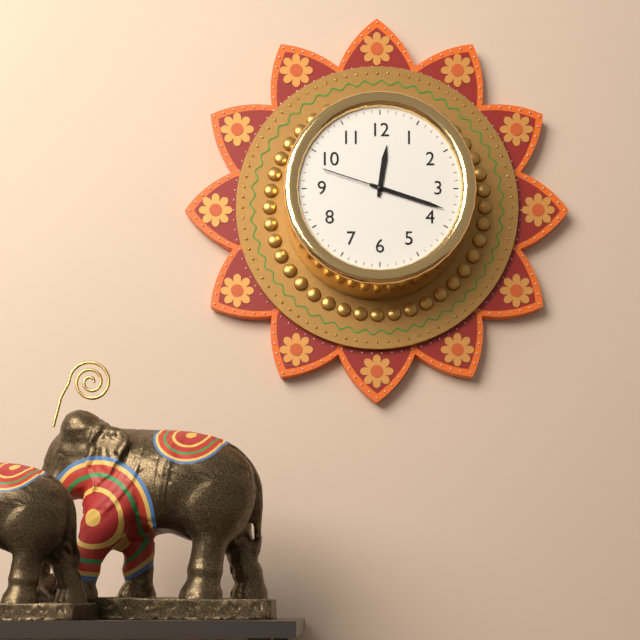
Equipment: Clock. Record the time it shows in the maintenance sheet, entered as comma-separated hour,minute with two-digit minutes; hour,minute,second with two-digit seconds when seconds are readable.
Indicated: 12,18,48
